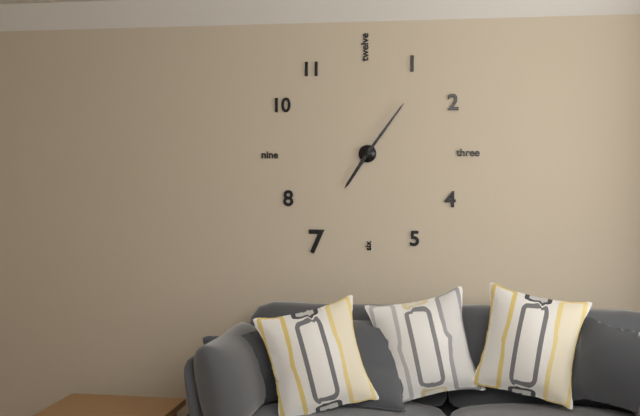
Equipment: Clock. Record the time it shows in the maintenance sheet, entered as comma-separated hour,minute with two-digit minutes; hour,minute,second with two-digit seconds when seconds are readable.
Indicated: 7,06
